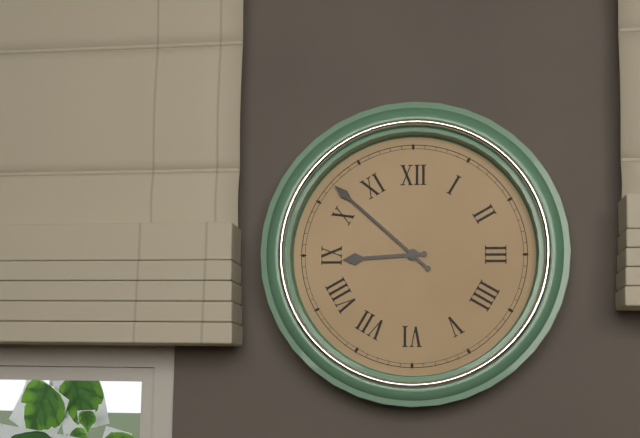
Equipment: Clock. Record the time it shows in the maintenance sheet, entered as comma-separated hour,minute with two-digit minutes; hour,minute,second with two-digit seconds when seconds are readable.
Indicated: 8,52
